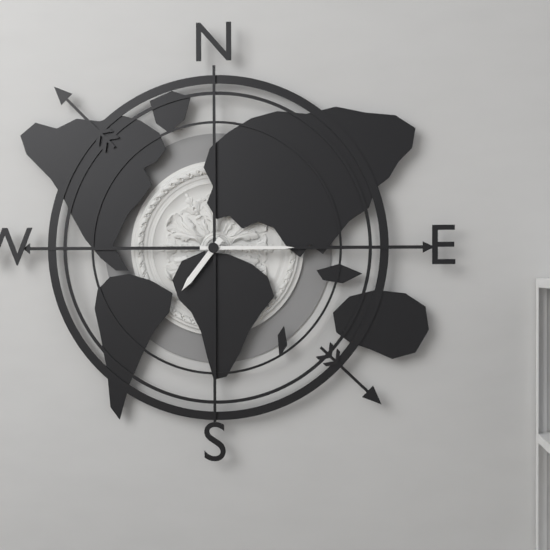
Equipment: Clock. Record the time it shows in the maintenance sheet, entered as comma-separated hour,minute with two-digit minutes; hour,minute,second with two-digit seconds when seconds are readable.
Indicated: 7,15
